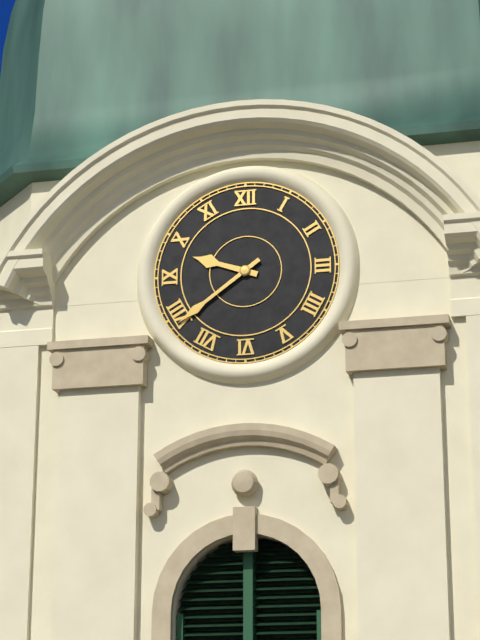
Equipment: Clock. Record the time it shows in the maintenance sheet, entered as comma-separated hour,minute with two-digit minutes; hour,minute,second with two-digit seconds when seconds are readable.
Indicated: 9,39
